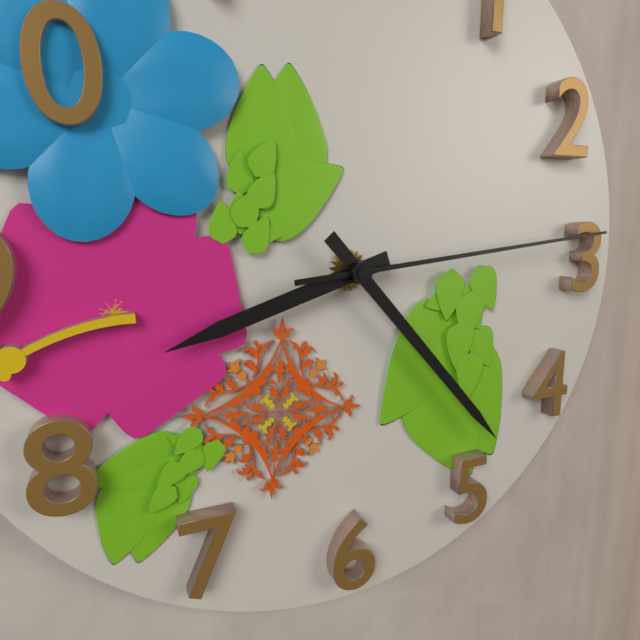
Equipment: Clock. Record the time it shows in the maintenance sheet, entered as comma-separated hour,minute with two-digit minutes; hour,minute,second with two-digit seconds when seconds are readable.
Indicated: 8,23,14
